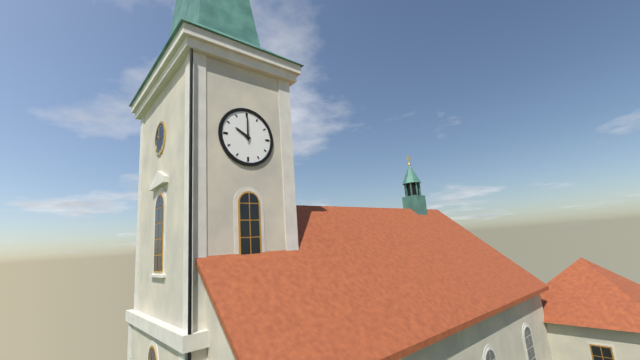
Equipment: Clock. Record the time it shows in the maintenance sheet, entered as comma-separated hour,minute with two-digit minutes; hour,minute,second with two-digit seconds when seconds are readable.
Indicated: 10,00
